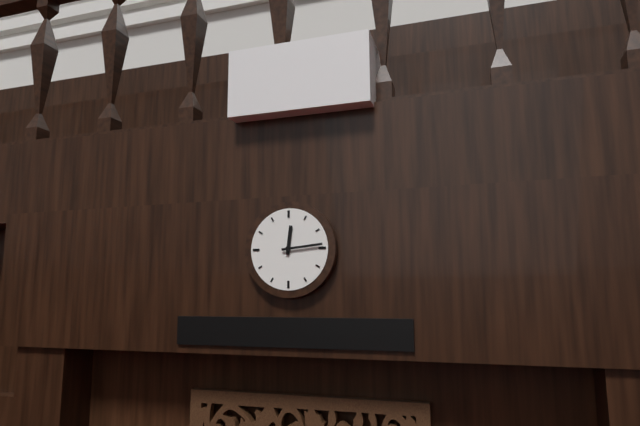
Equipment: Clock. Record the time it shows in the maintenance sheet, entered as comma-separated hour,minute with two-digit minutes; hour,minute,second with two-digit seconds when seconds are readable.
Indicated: 12,14
